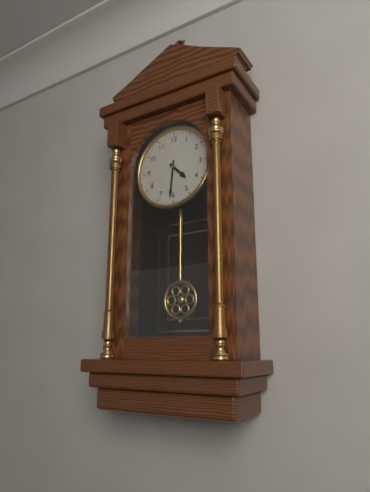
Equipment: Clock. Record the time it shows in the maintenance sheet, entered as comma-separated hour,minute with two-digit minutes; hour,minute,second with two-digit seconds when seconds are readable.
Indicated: 4,31
